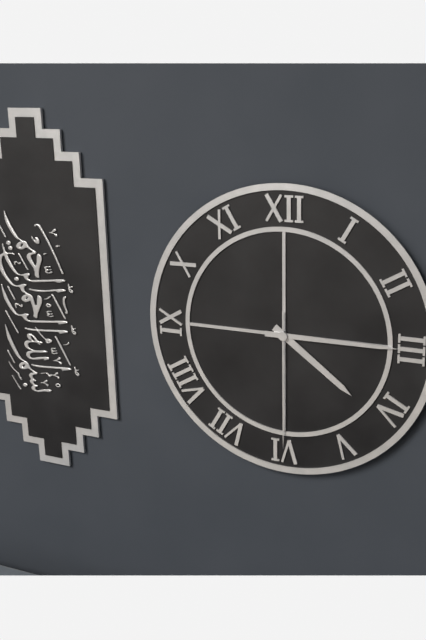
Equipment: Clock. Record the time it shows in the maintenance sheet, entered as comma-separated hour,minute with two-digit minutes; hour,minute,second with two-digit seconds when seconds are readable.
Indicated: 4,15,30
